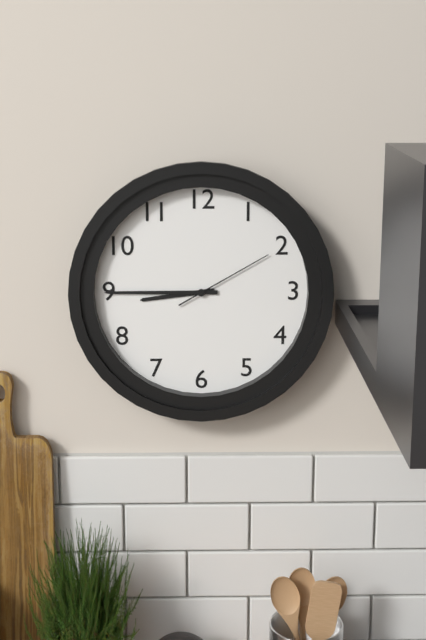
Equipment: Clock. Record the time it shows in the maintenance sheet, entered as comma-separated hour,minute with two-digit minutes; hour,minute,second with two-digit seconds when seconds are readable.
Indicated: 8,45,10
